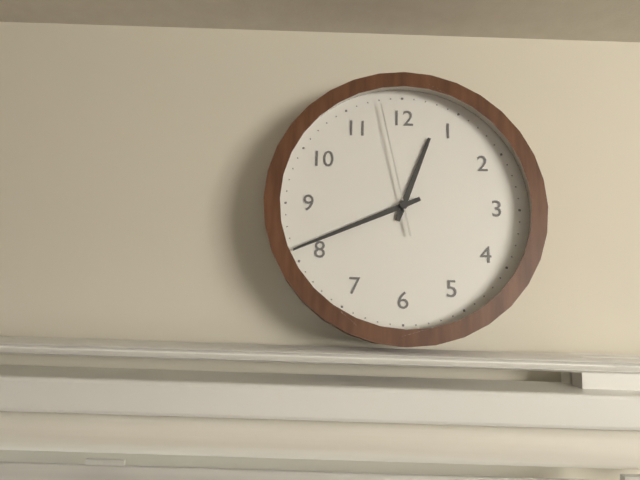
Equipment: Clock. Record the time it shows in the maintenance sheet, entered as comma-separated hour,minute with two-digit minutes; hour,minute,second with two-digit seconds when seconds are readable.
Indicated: 12,41,58
